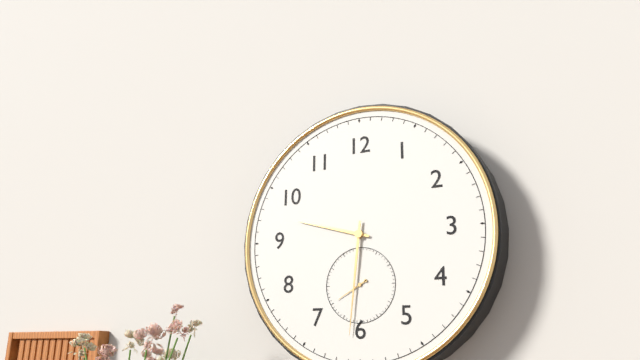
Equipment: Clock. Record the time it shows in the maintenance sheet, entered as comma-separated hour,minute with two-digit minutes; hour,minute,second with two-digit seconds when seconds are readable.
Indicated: 9,31
